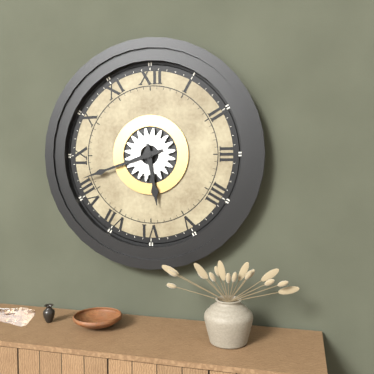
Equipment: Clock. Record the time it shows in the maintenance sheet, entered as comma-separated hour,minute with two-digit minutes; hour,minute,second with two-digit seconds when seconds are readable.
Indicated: 5,42
